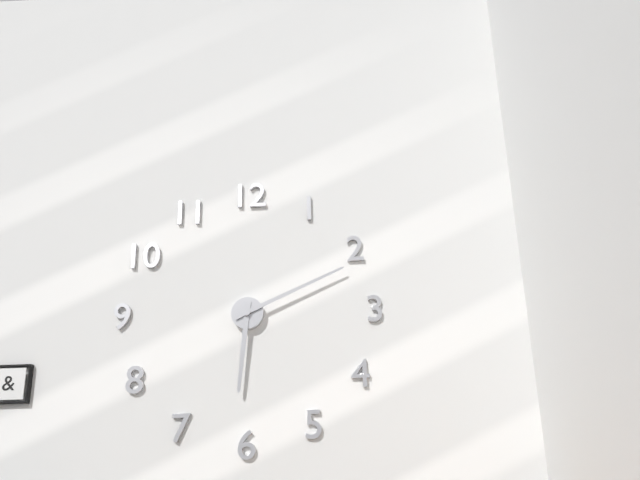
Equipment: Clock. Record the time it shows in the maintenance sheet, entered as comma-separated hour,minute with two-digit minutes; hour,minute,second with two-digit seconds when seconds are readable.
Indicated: 6,11
